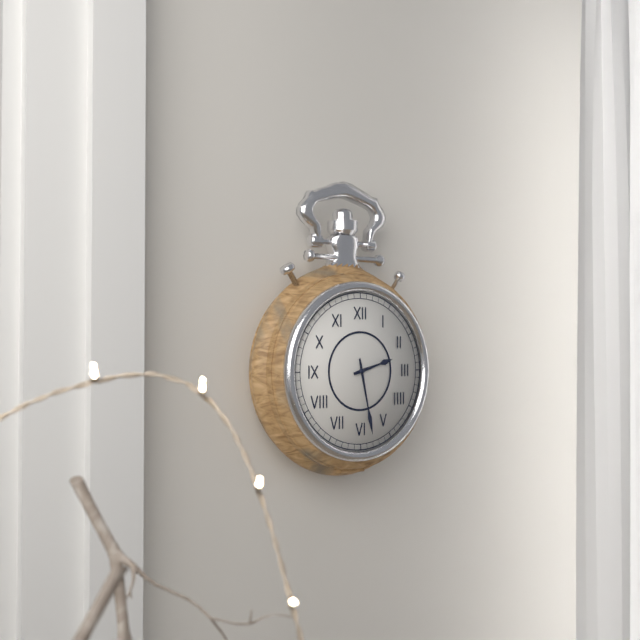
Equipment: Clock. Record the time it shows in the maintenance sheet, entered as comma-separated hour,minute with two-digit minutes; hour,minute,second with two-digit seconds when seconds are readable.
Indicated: 2,28
